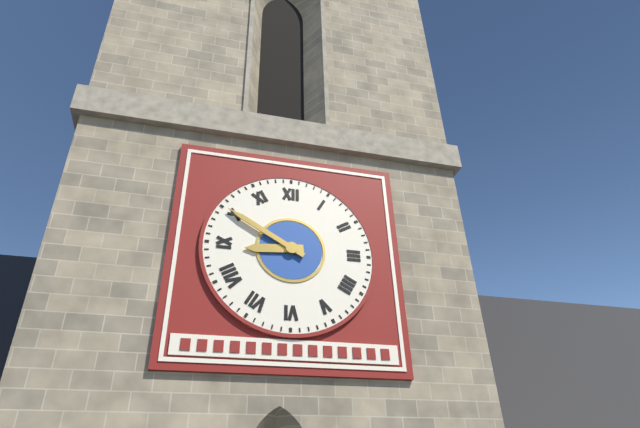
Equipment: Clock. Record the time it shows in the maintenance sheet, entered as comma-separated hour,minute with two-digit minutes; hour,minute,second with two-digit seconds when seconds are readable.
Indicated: 8,50
